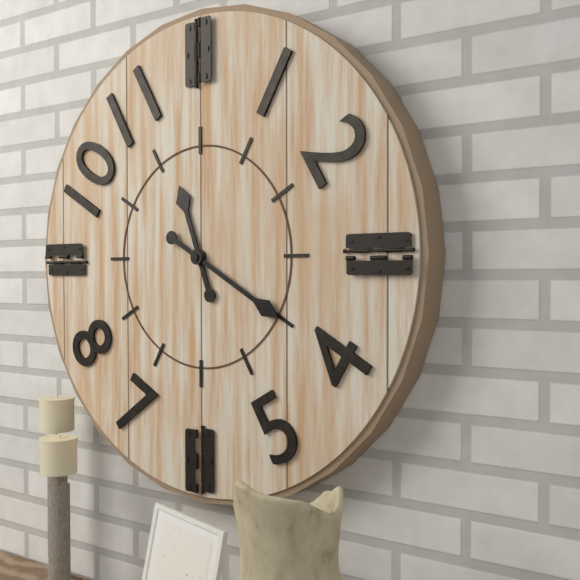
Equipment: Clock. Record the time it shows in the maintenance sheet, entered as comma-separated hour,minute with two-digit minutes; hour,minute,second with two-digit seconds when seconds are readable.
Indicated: 11,20
